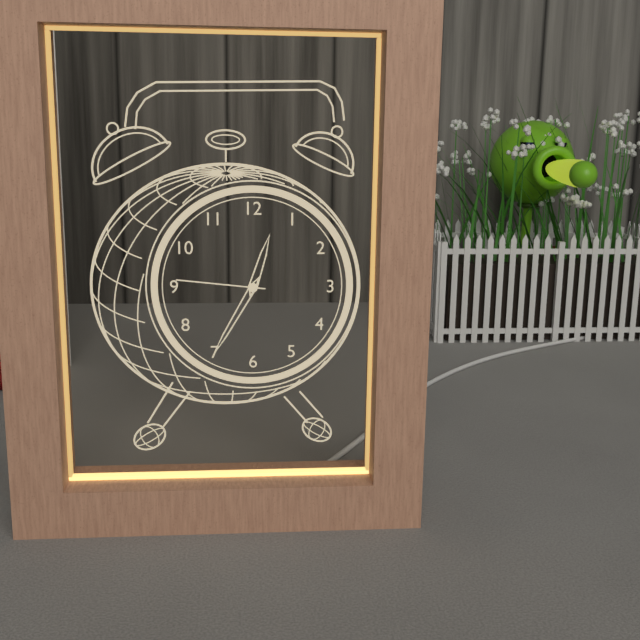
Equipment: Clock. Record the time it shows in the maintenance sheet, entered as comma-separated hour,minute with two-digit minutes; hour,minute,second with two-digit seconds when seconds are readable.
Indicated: 12,35,46
